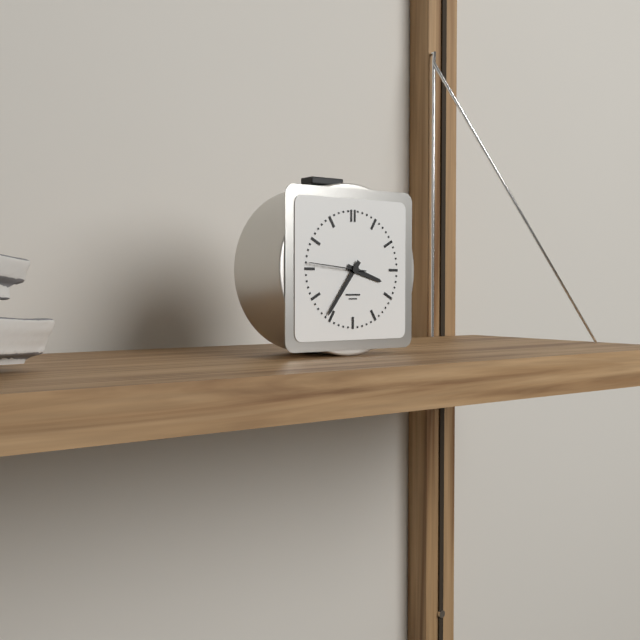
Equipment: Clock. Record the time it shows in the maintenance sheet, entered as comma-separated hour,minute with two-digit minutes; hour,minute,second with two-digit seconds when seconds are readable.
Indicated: 3,36,46
